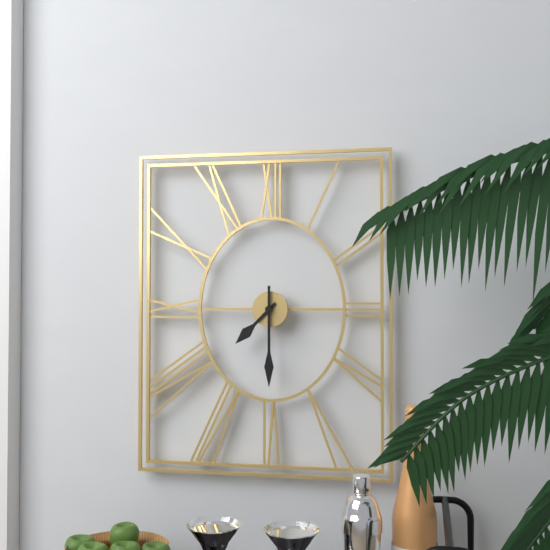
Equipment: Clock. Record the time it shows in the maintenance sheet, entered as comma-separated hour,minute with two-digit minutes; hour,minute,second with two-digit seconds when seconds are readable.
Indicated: 7,30
